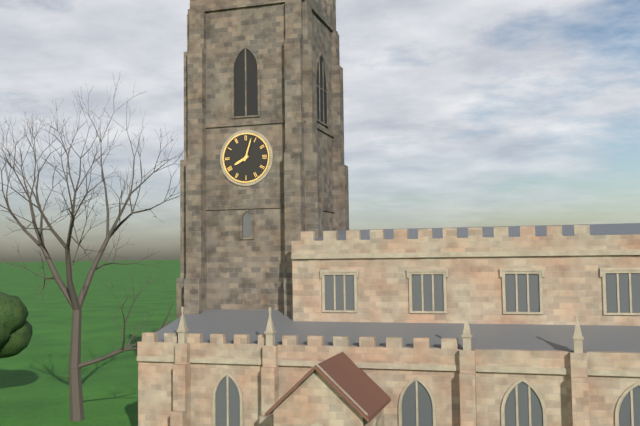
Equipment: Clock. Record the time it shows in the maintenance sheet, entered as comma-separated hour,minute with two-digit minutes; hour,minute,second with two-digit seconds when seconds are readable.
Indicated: 8,03
